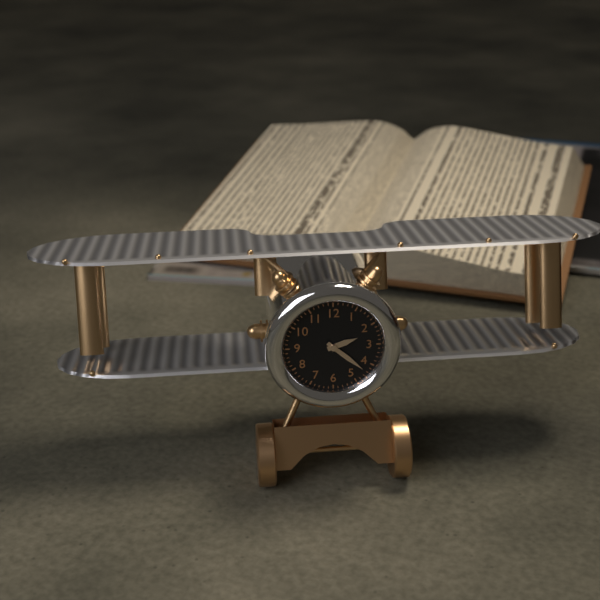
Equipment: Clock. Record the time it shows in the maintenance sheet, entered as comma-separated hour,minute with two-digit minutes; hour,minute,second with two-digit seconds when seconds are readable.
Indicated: 2,22
